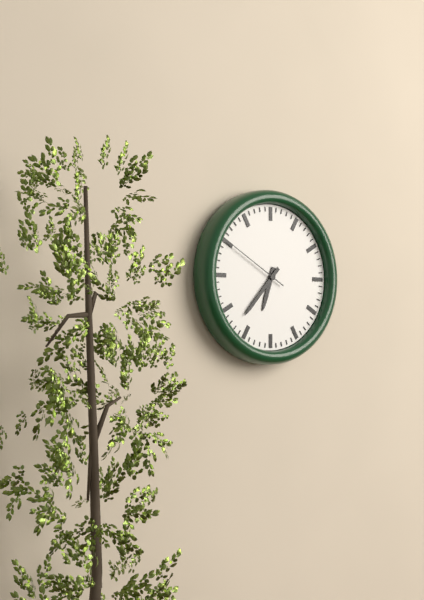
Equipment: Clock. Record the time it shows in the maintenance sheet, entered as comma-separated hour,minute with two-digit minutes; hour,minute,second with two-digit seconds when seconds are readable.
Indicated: 6,37,50
